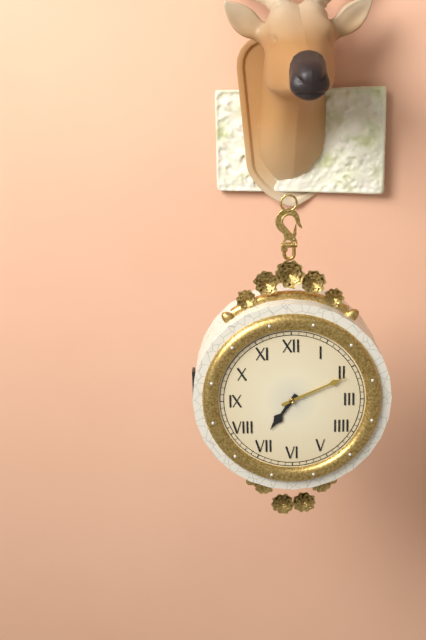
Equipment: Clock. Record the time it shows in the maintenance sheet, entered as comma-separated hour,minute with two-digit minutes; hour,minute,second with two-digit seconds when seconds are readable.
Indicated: 7,11
